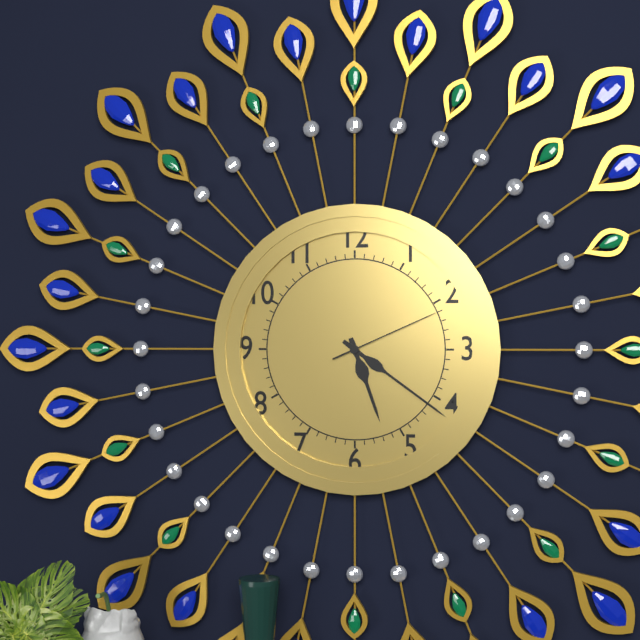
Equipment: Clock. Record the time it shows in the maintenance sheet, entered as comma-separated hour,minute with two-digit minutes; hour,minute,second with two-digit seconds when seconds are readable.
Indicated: 5,21,11
